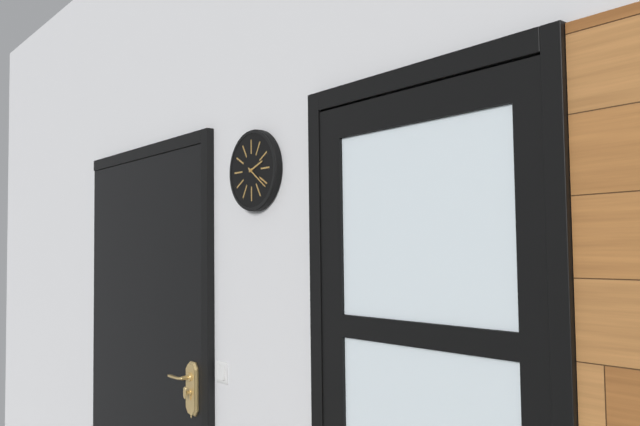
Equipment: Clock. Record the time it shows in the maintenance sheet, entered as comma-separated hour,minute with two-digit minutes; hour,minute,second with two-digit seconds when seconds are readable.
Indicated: 2,21
